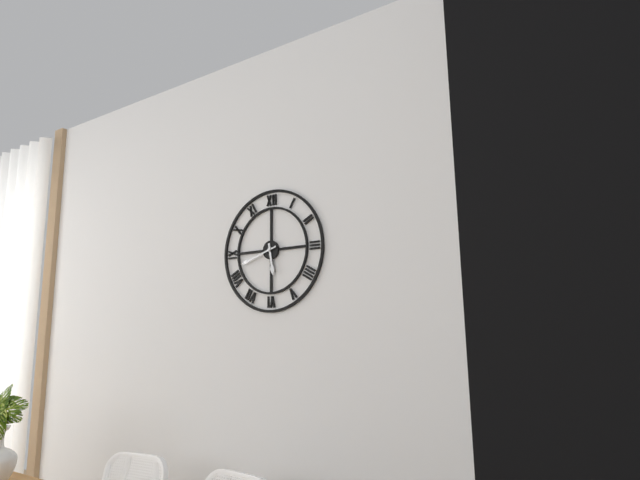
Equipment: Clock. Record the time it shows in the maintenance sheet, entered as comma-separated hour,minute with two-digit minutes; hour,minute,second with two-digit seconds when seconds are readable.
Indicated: 5,42
